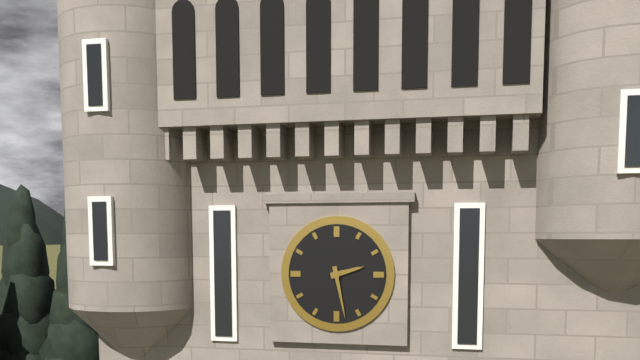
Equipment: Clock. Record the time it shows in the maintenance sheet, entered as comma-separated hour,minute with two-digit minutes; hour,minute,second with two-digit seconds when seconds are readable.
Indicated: 2,28
